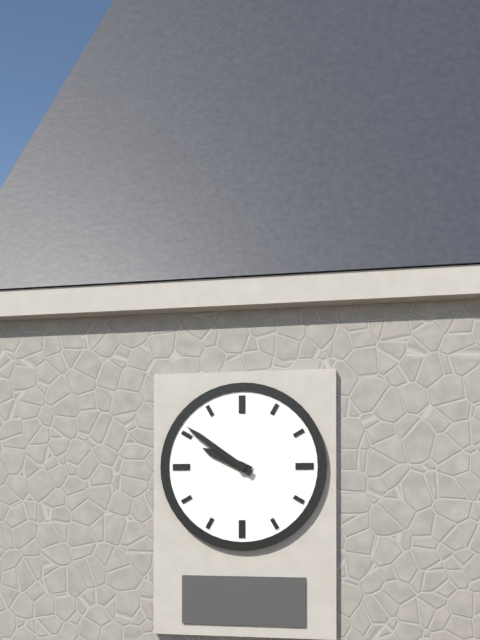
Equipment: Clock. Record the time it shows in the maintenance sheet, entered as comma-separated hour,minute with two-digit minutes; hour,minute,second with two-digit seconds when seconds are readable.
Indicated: 9,51
